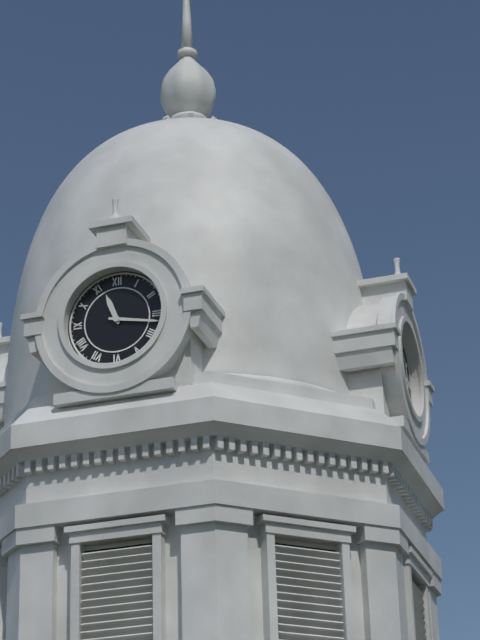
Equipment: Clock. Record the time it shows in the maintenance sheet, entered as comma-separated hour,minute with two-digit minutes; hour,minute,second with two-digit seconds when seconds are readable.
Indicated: 11,17
